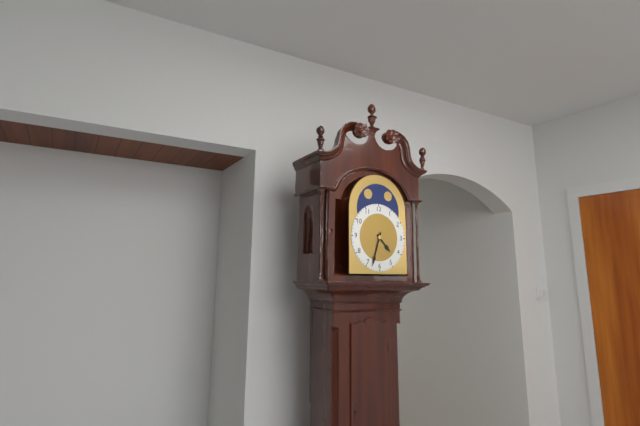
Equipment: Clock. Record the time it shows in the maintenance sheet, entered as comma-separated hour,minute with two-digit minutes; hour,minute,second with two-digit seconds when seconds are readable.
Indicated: 4,33
